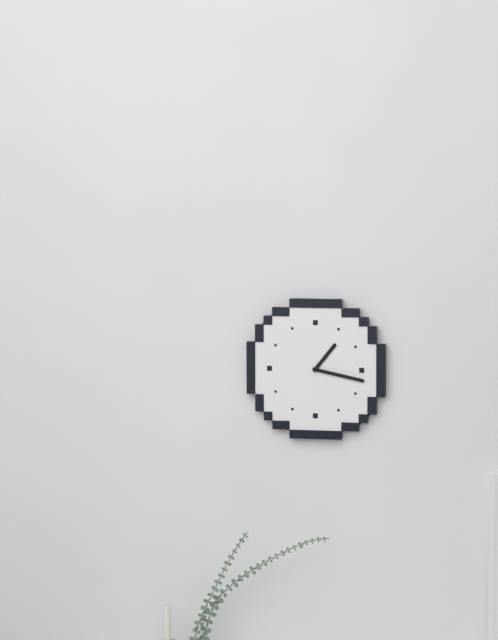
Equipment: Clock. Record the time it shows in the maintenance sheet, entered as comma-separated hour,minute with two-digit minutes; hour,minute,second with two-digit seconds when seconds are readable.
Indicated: 1,17
